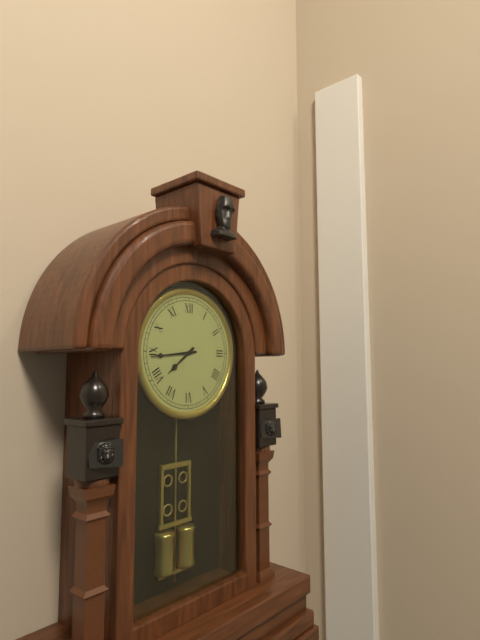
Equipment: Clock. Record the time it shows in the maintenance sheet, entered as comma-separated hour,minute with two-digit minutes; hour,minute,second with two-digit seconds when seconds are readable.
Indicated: 7,44
